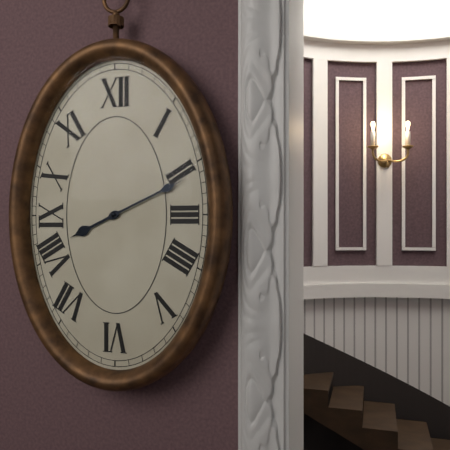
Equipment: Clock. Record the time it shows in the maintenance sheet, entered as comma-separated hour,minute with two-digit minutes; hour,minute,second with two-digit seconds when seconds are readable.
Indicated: 8,11
